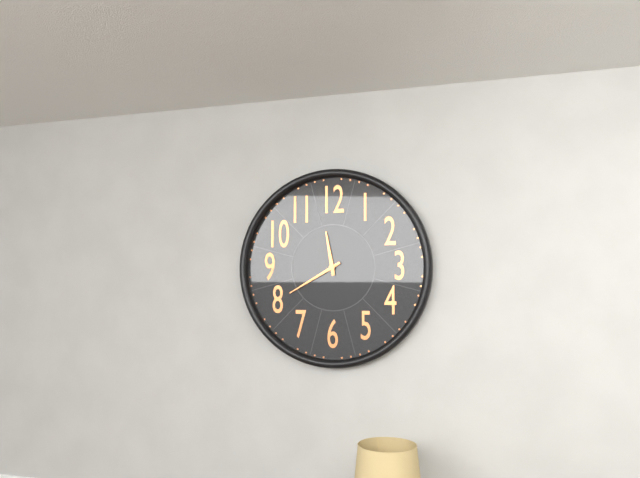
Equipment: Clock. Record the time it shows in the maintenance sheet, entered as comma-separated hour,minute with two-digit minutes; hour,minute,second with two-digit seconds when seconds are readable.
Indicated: 11,40
